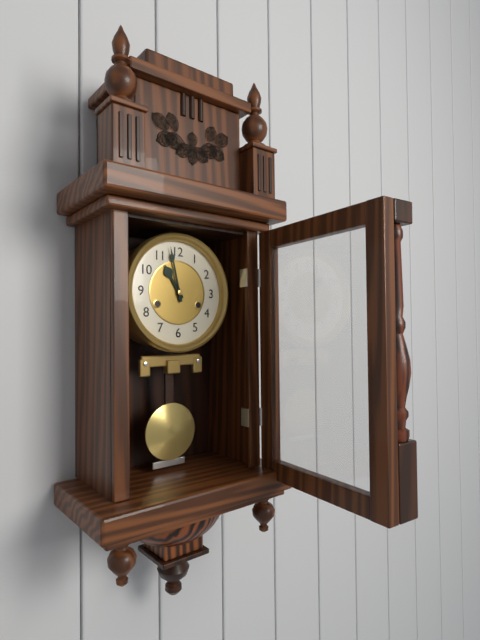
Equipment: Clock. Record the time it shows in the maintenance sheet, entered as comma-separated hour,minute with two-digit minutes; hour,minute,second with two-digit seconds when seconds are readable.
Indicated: 10,58
